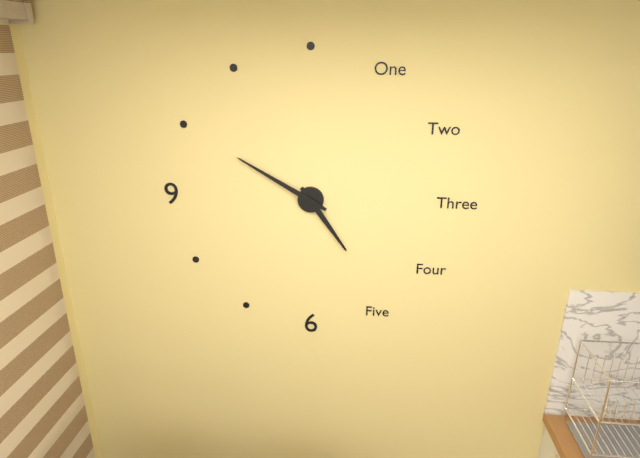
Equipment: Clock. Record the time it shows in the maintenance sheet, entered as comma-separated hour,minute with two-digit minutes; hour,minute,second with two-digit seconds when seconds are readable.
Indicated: 4,50
